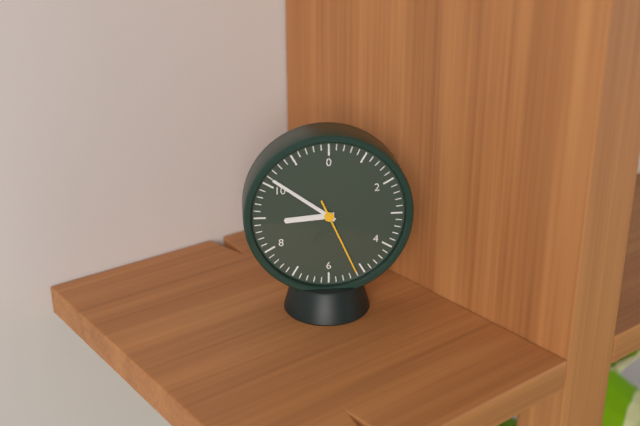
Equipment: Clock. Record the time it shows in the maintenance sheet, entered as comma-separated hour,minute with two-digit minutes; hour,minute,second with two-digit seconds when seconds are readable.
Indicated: 8,51,26
